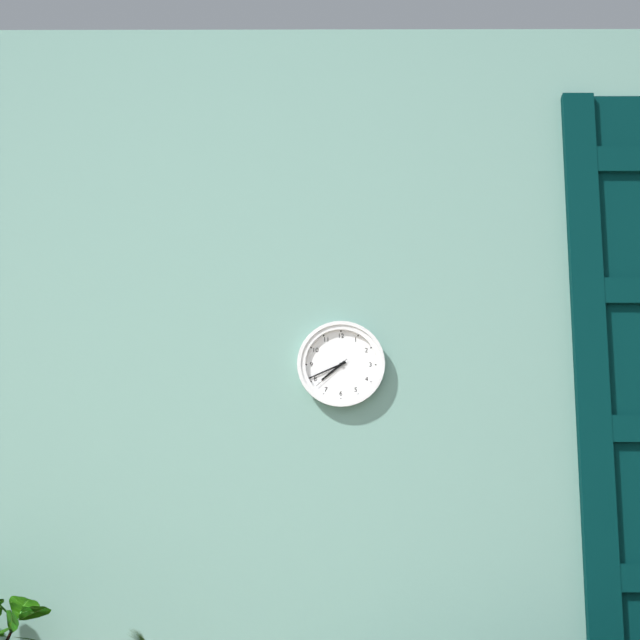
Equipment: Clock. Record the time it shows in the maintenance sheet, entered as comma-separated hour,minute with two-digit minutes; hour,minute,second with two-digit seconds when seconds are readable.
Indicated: 7,41
